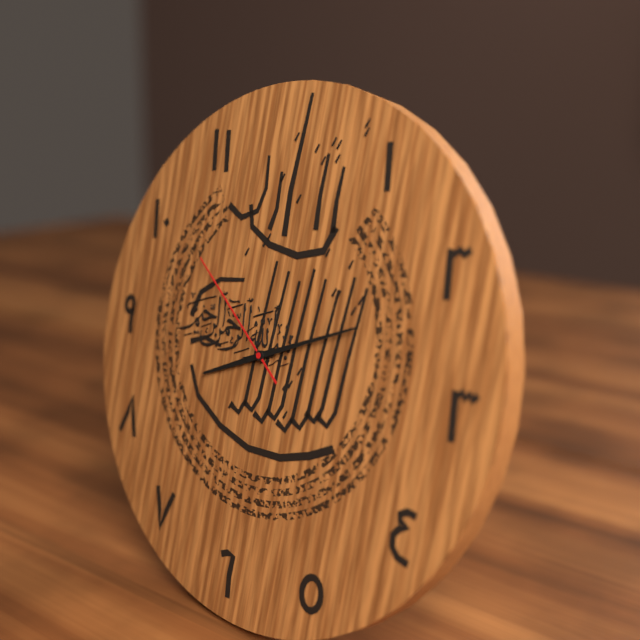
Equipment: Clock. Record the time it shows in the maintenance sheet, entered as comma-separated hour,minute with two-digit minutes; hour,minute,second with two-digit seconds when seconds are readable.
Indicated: 8,11,51
